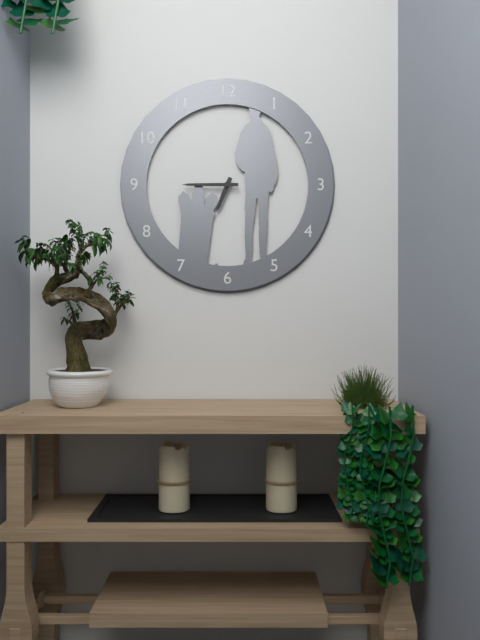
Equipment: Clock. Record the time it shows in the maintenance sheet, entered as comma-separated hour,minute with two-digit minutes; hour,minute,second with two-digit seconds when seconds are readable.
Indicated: 6,45
